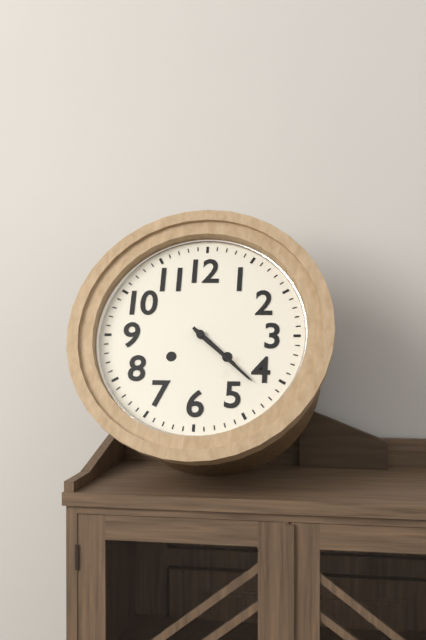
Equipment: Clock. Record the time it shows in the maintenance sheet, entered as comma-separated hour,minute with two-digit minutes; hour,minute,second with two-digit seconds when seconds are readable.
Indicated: 4,22
